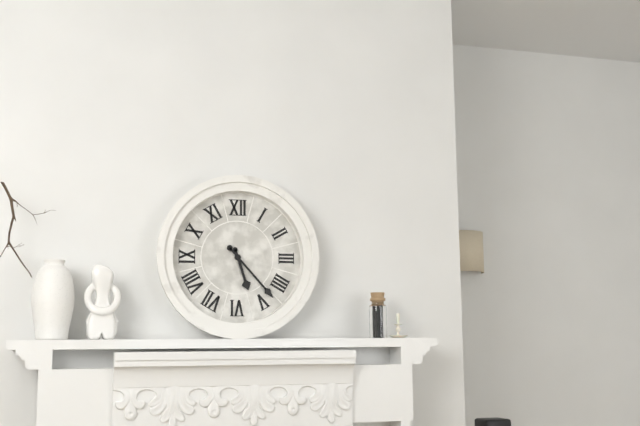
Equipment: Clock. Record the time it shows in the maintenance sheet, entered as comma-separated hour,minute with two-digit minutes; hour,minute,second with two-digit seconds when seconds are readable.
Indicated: 5,23
